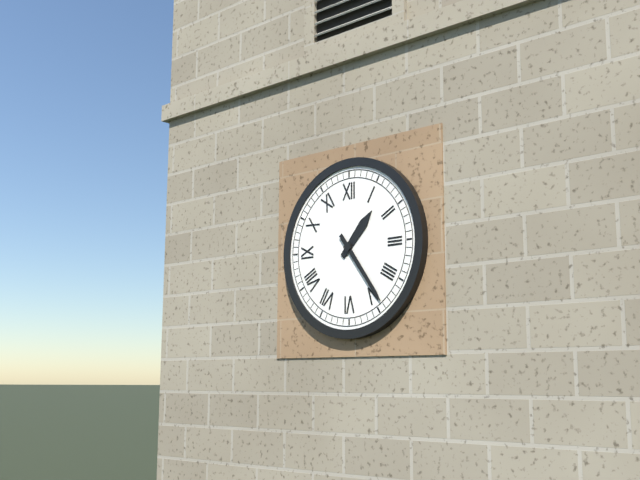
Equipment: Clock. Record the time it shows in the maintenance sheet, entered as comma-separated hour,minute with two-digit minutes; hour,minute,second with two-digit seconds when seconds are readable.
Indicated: 1,24
